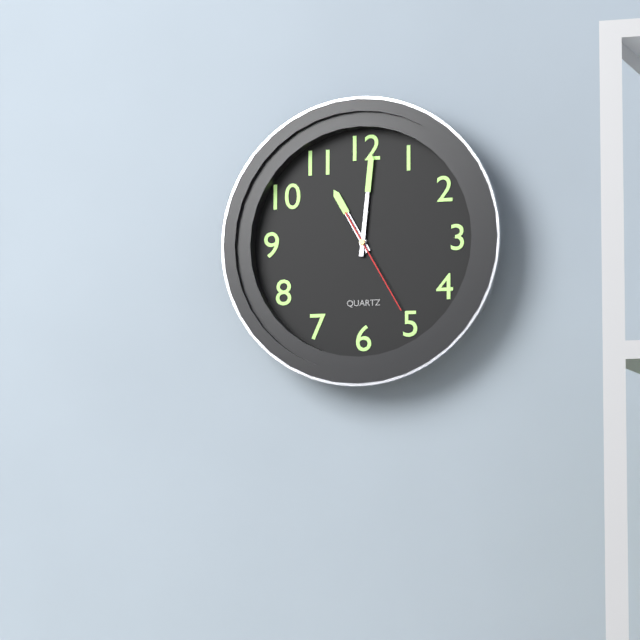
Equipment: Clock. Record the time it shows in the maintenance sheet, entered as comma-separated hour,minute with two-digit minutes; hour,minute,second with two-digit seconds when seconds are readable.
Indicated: 11,01,25
